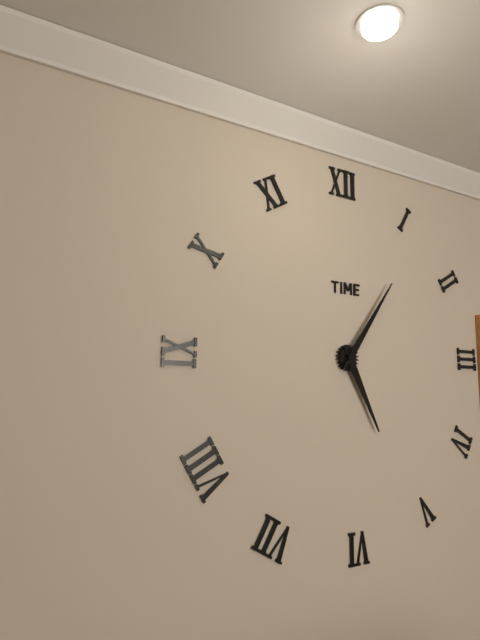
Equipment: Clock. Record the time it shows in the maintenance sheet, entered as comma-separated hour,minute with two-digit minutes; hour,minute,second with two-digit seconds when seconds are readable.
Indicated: 5,06
